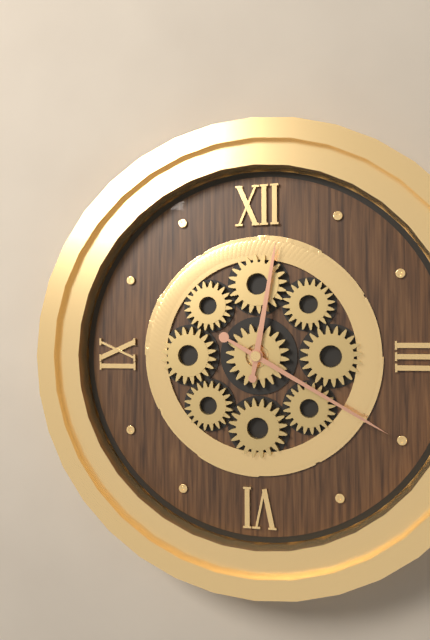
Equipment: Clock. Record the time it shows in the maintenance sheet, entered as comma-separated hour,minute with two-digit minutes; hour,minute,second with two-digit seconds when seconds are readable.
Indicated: 12,20
